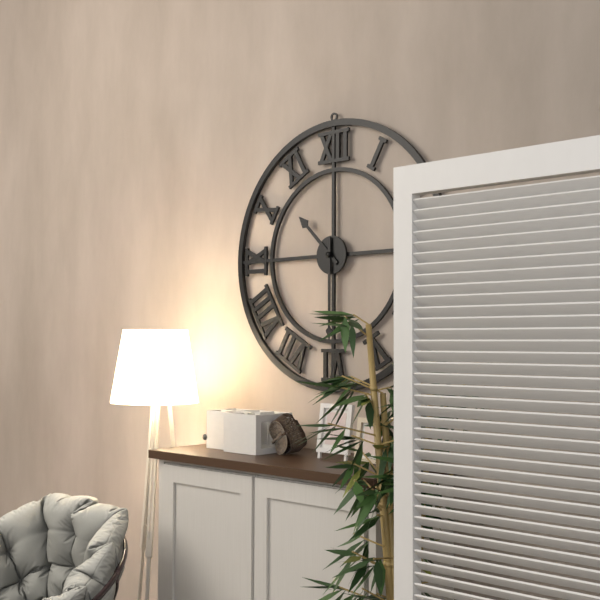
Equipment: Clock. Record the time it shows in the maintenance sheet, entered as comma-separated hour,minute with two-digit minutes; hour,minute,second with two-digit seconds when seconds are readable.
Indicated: 10,30
